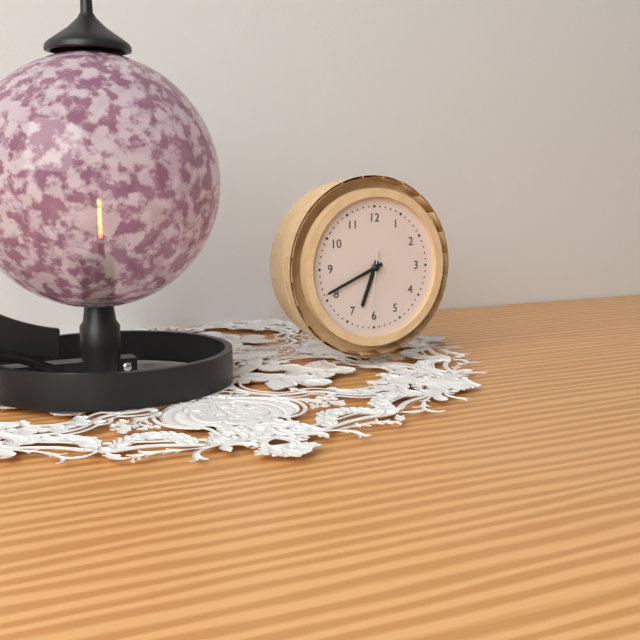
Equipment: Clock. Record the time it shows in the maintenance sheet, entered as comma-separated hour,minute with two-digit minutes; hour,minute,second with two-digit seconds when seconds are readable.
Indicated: 6,41,31
